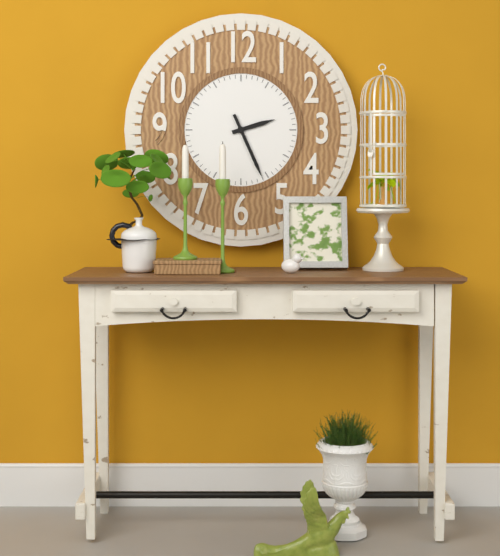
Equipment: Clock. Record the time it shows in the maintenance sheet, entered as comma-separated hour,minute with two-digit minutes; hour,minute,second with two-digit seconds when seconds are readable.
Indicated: 2,26
